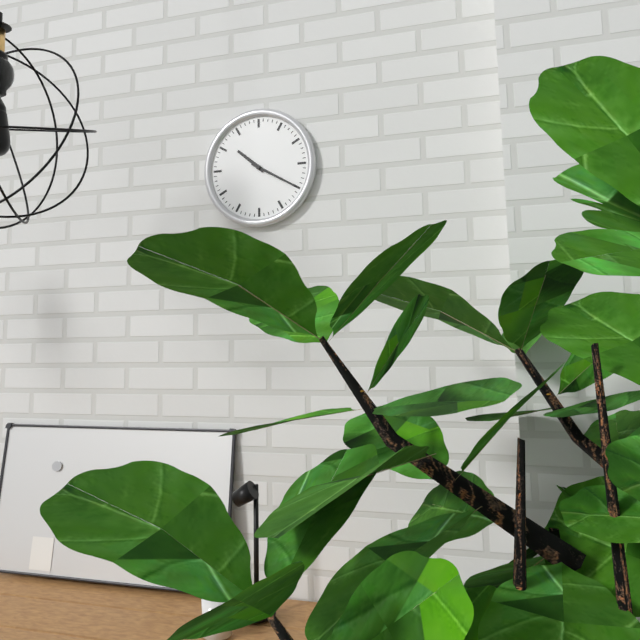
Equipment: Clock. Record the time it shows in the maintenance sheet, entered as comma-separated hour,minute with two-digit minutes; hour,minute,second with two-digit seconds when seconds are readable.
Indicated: 10,20
